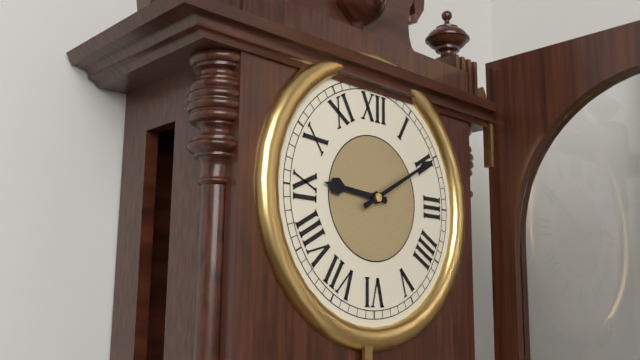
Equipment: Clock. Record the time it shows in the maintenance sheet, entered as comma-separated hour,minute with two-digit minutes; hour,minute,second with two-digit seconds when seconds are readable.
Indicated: 9,10
